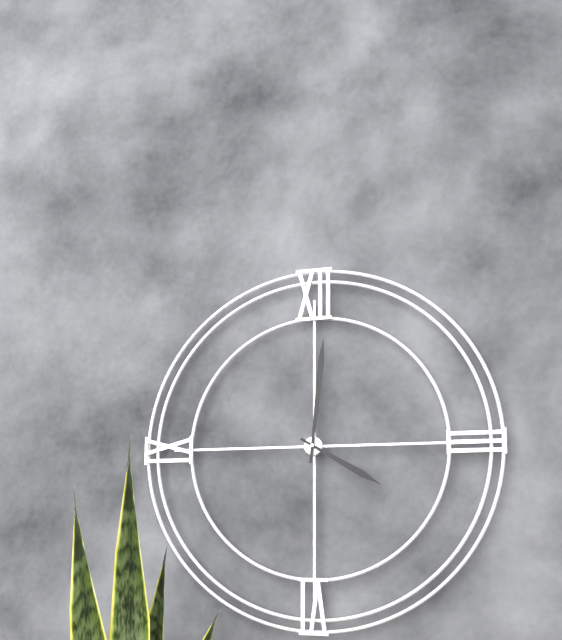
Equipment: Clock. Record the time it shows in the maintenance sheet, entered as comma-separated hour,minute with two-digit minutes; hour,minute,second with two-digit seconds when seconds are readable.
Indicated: 4,01
